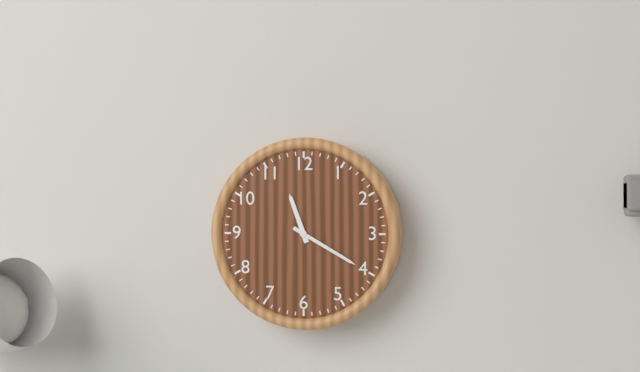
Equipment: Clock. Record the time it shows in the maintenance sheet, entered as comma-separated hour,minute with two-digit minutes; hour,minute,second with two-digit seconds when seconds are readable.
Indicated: 11,20
